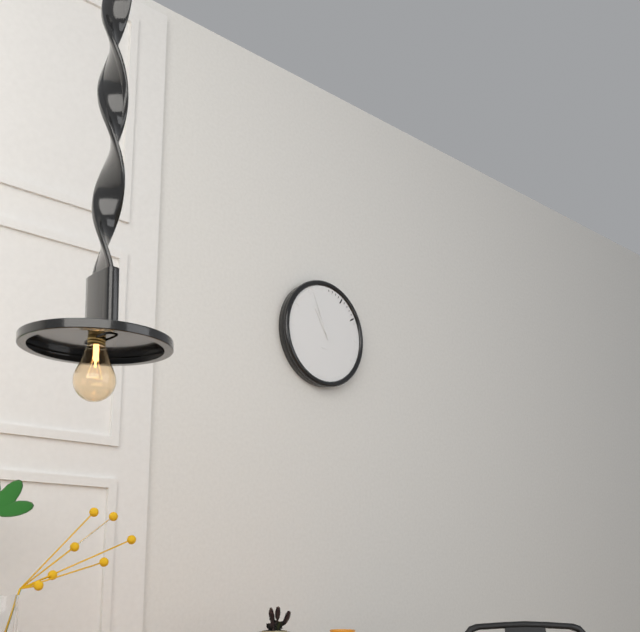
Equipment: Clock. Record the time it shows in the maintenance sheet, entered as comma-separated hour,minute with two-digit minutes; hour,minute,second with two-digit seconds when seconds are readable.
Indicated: 10,56
